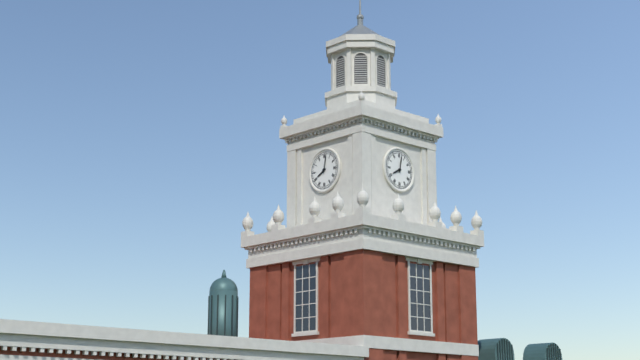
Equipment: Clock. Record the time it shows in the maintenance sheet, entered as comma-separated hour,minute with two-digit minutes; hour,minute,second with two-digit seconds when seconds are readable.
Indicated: 8,02
